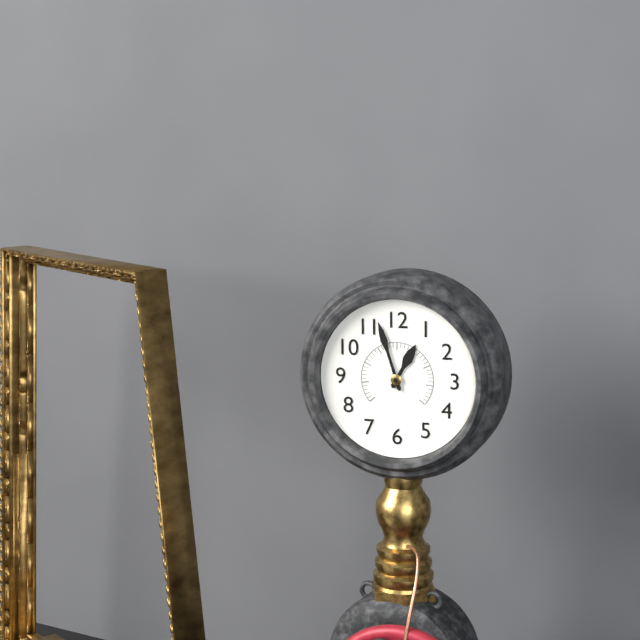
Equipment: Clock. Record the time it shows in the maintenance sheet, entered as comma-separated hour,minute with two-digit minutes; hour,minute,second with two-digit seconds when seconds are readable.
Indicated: 12,57
